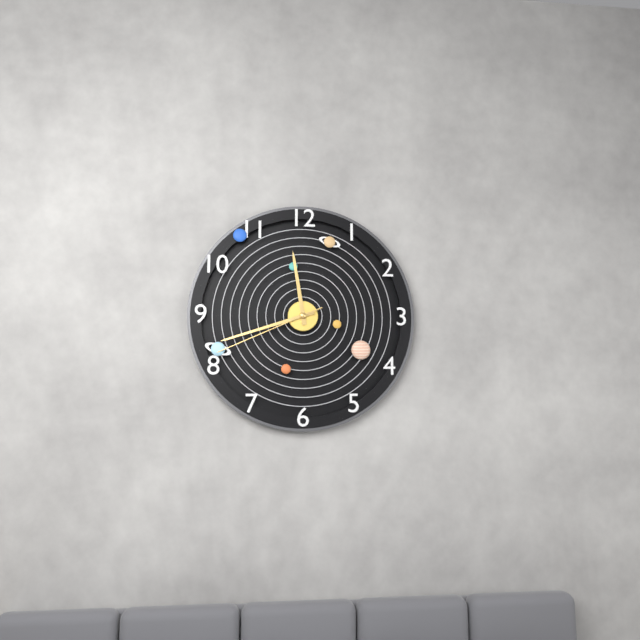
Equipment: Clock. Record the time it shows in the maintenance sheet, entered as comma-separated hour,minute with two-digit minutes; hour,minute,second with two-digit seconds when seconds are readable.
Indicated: 11,42,41
